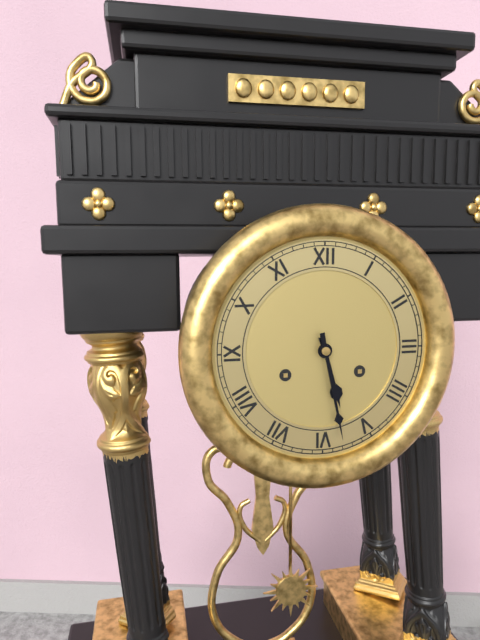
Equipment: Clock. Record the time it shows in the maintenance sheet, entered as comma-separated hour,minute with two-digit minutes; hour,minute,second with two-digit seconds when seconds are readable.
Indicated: 5,28
